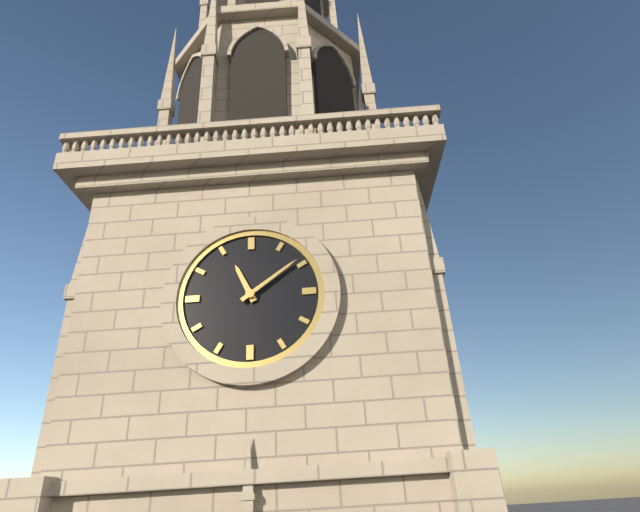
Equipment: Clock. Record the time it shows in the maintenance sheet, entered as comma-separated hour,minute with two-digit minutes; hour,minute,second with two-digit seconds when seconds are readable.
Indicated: 11,09
